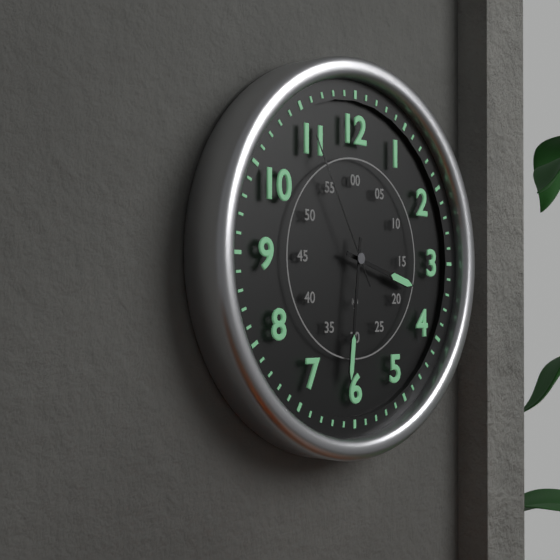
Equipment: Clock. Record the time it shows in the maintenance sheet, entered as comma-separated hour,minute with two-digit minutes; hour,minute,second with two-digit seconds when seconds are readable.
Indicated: 3,31,55
